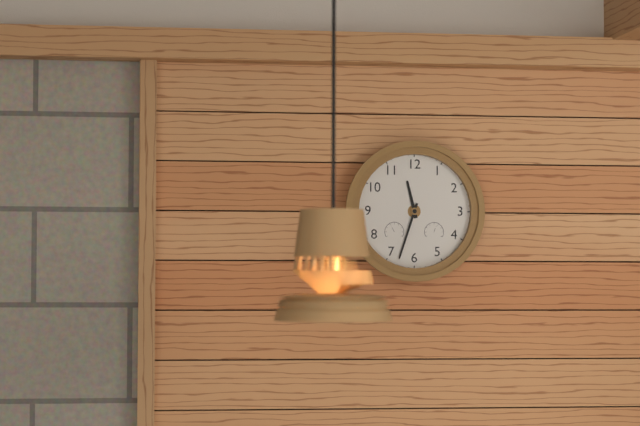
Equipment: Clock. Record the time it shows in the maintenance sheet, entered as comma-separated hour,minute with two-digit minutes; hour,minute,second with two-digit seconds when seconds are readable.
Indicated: 11,33
